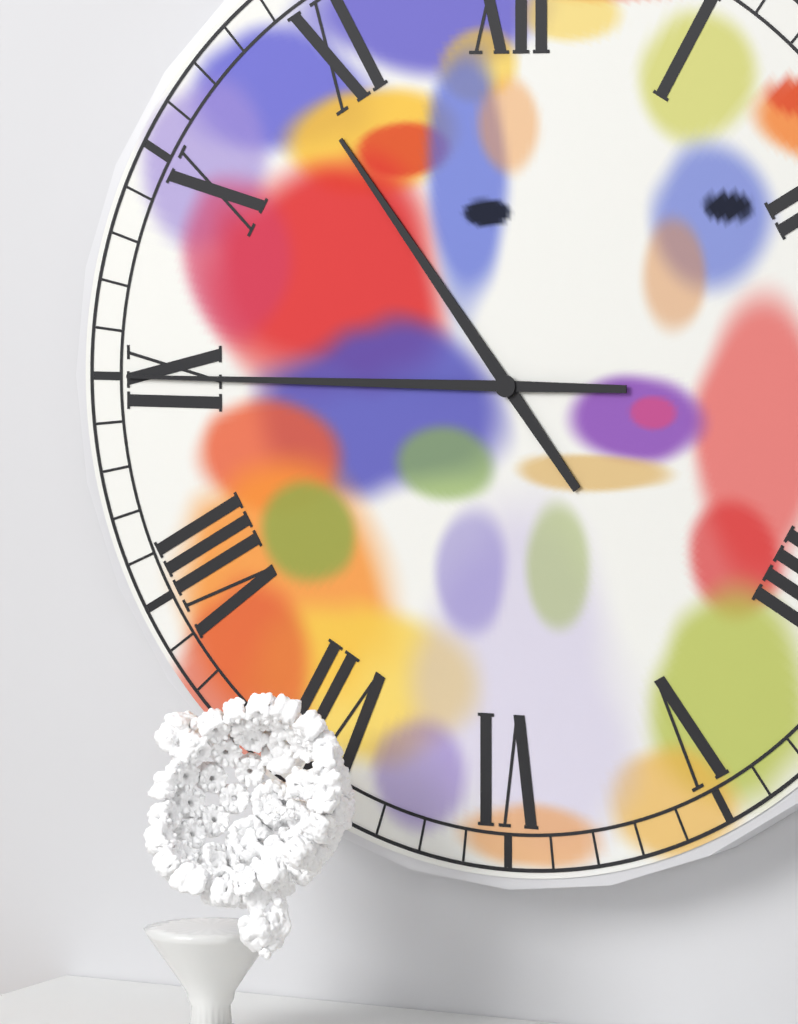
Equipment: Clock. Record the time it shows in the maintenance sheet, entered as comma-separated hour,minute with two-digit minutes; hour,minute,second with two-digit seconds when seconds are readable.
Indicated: 10,45
